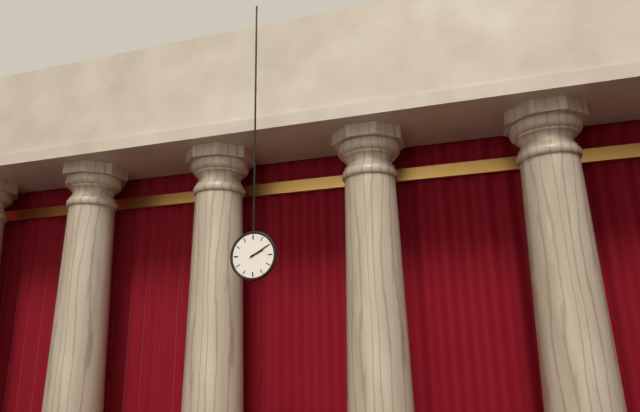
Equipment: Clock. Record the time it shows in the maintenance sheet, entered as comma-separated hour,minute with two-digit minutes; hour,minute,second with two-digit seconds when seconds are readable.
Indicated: 2,10
